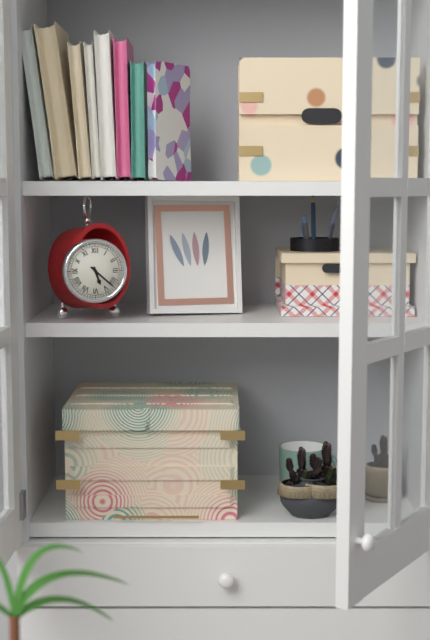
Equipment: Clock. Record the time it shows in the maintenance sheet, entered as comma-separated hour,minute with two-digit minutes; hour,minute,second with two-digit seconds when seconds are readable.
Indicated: 5,22
